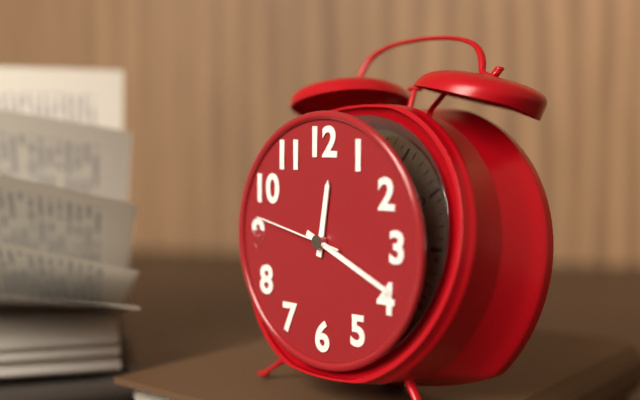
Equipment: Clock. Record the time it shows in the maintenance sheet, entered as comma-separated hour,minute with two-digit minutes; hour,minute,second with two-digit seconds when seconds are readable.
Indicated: 12,19,47
